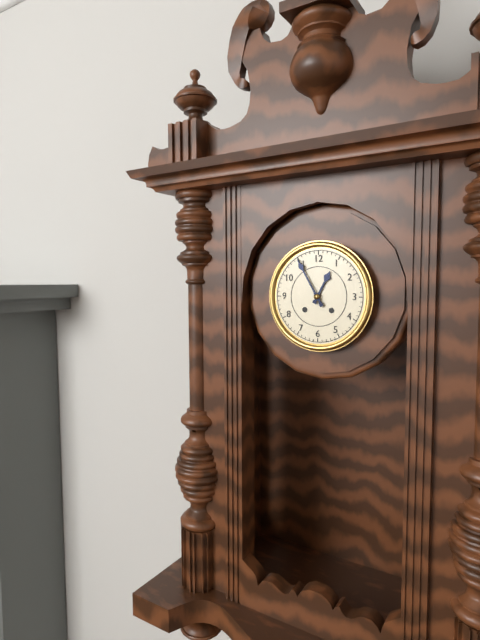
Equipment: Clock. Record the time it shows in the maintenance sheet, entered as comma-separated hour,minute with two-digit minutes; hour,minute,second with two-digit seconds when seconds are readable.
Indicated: 12,55
